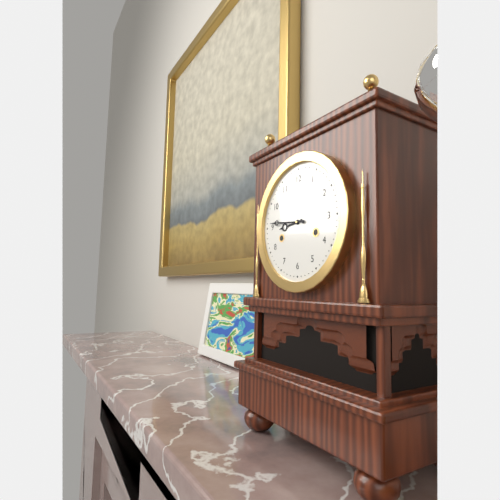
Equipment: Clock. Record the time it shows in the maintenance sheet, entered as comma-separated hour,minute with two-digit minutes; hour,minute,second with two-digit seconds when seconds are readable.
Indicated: 8,46
